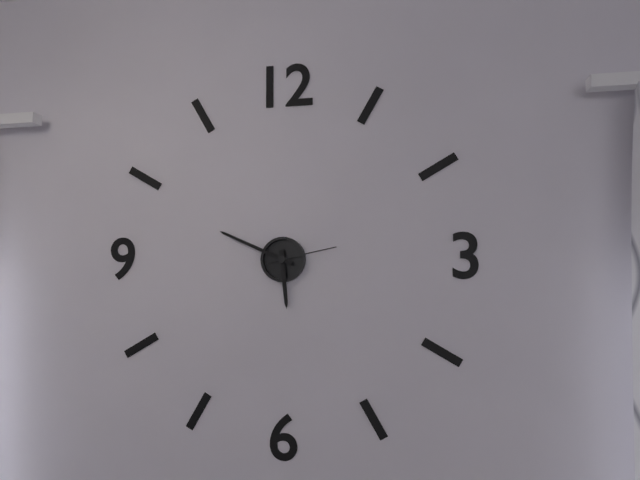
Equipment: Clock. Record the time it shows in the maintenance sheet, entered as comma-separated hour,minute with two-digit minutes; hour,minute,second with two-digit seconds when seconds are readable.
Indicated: 5,49,13
